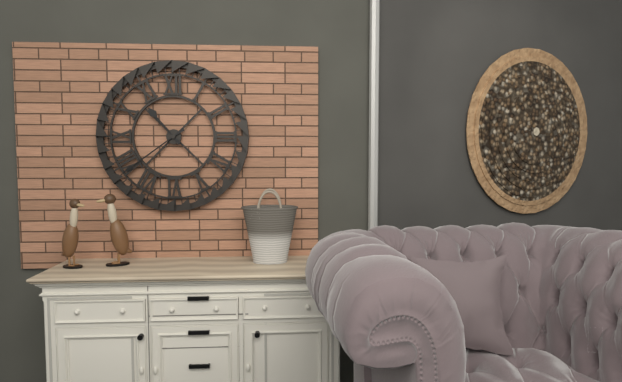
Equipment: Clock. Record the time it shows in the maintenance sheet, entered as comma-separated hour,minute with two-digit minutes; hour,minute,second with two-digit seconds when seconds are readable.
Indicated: 10,39
